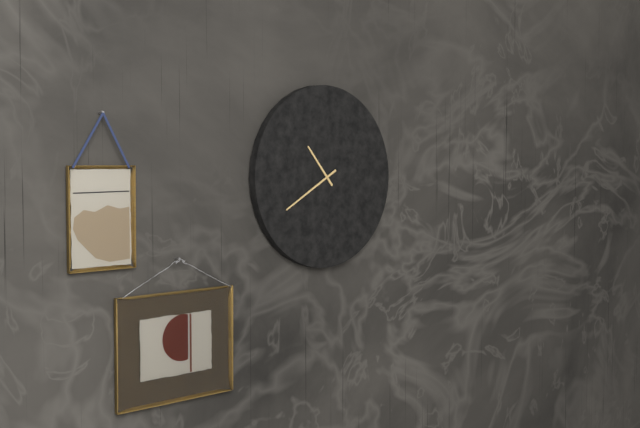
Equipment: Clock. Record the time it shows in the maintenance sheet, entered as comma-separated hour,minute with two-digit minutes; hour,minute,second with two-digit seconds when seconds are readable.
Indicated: 10,40
